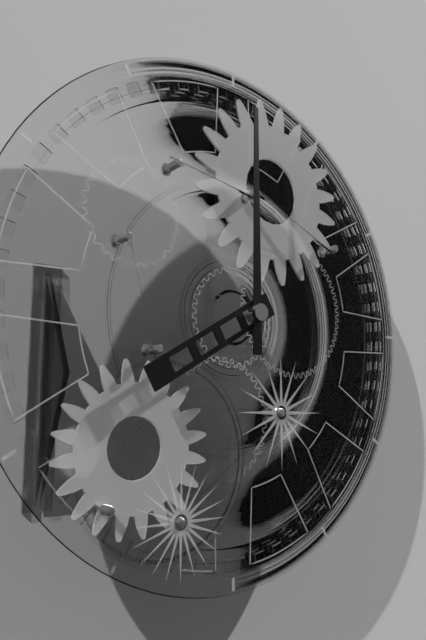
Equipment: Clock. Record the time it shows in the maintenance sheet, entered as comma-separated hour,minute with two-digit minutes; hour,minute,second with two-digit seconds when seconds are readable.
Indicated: 8,00
